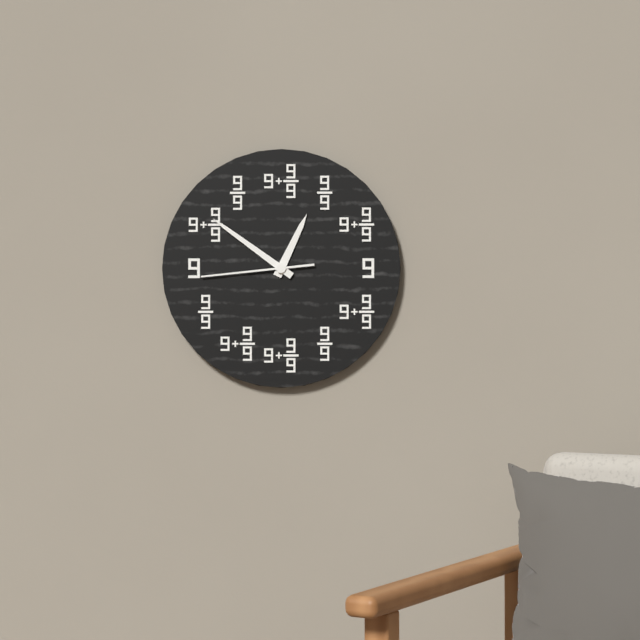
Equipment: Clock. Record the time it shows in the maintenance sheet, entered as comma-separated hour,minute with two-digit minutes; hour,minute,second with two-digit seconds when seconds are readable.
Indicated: 12,51,44
